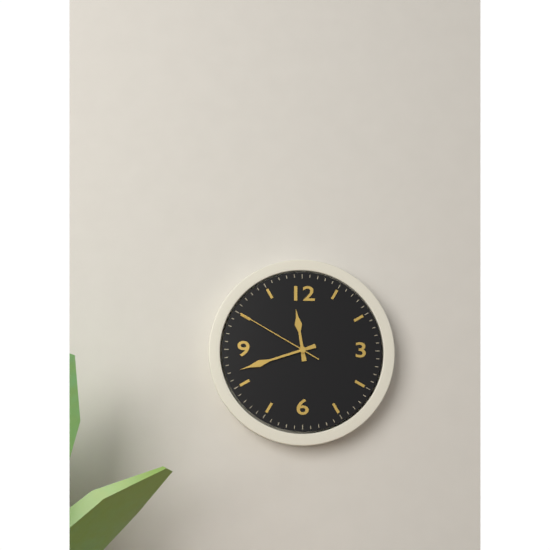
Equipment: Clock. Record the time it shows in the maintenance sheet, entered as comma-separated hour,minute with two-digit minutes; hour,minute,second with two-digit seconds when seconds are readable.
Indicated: 11,42,50
